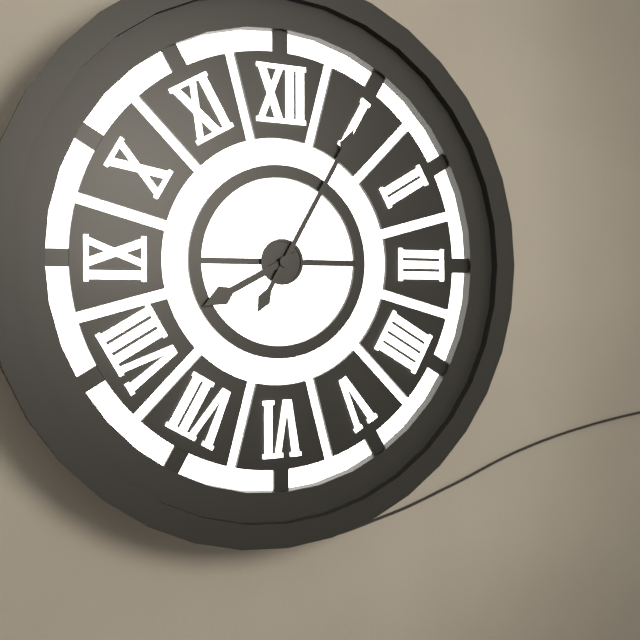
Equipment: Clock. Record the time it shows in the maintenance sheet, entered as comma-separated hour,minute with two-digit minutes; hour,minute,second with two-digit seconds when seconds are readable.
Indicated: 8,05
